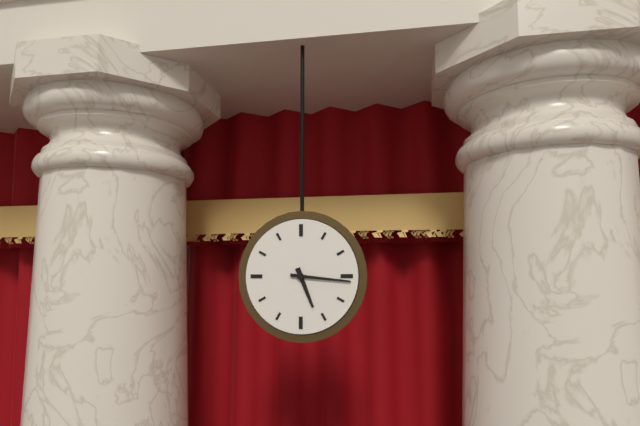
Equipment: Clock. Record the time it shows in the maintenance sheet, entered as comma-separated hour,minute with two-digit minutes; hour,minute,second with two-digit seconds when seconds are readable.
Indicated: 5,16
